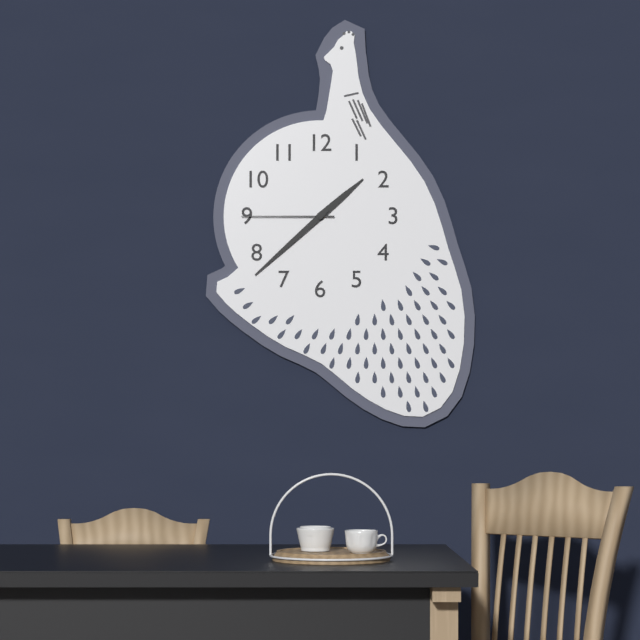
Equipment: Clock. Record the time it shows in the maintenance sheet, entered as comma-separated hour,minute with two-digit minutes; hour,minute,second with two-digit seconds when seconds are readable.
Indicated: 1,38,45
